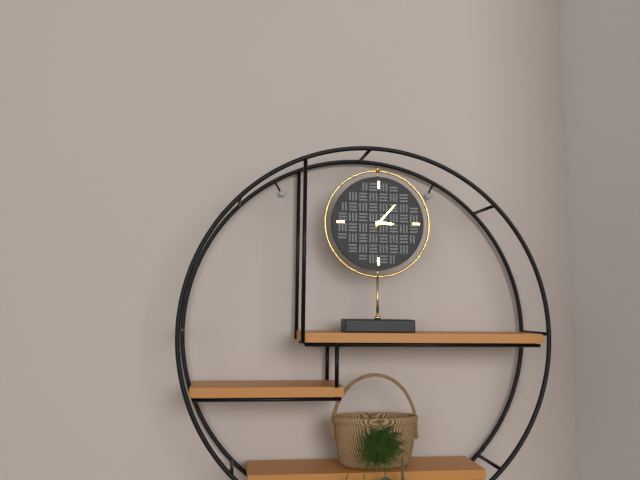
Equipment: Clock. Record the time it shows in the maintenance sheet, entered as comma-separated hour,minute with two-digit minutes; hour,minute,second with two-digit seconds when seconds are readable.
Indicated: 3,07
